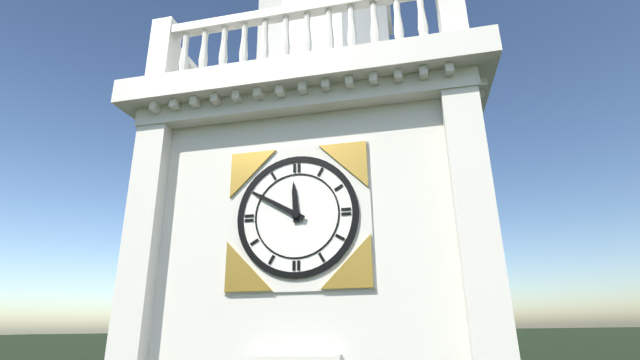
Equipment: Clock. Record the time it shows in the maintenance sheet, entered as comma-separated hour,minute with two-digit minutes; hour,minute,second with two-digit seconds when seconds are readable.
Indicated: 11,50
